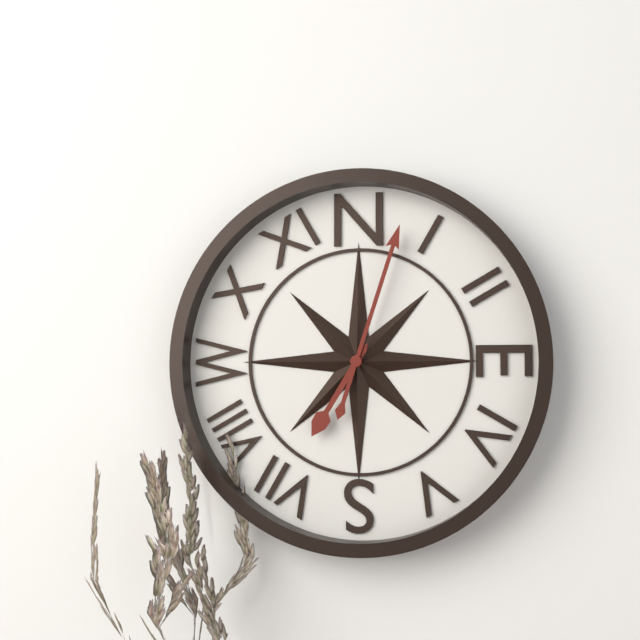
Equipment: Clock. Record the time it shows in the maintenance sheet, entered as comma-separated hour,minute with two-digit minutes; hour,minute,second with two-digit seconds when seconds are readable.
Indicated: 7,03
